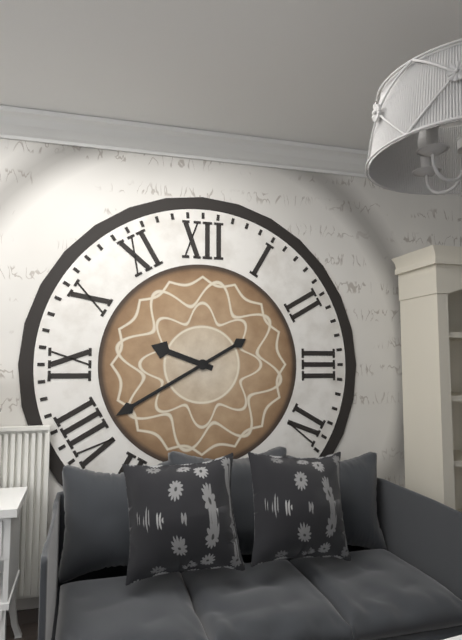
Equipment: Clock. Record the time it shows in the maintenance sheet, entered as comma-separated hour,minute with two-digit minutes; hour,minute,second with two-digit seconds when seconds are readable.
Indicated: 9,40
